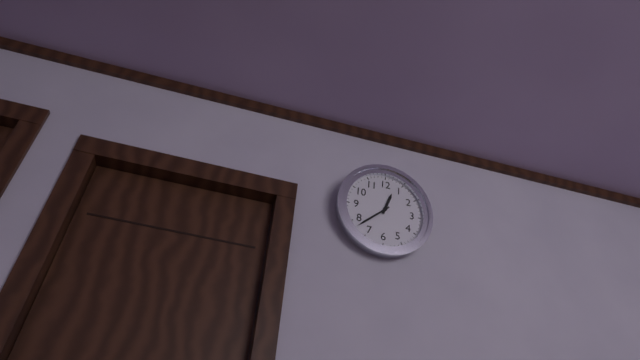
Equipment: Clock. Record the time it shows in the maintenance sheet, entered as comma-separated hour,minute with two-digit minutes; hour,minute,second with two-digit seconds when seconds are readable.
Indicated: 12,38
